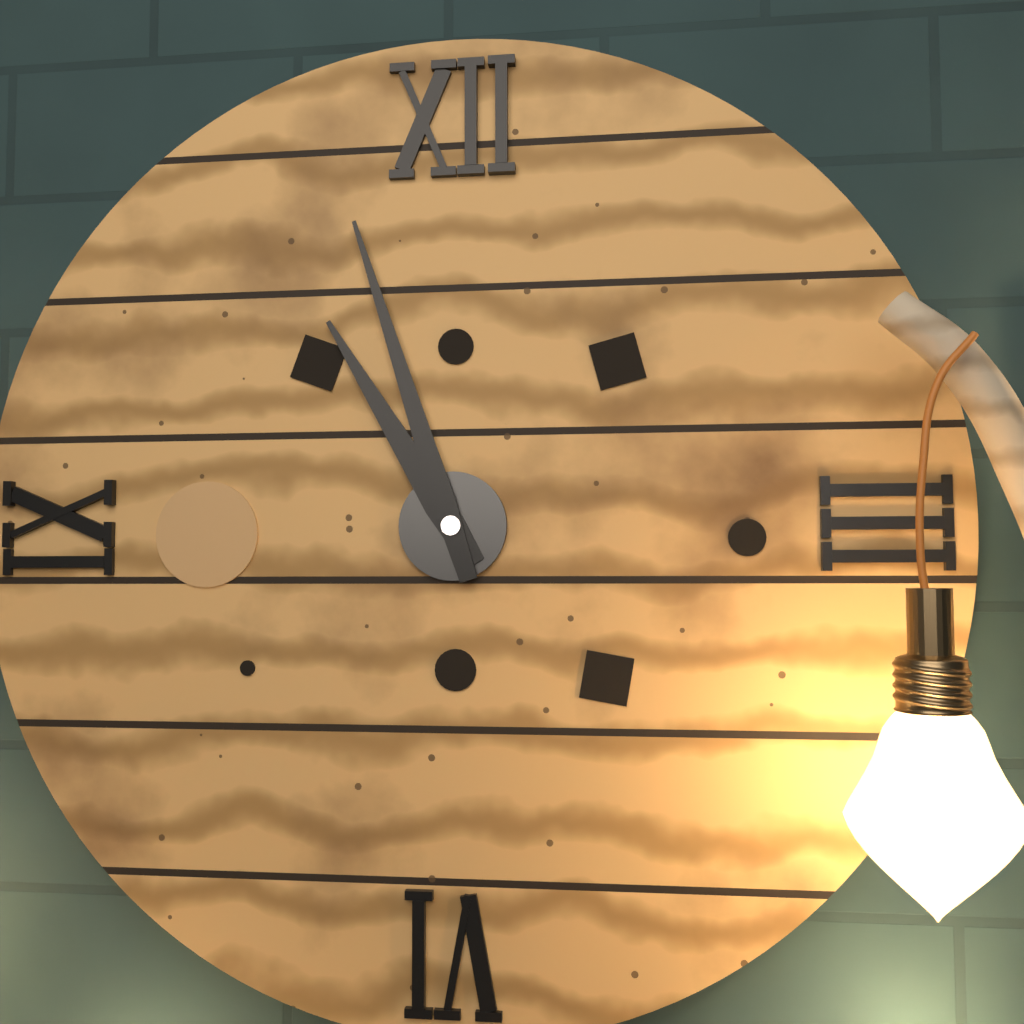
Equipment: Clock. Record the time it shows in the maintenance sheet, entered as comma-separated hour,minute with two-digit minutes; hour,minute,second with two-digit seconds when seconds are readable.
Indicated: 10,57
